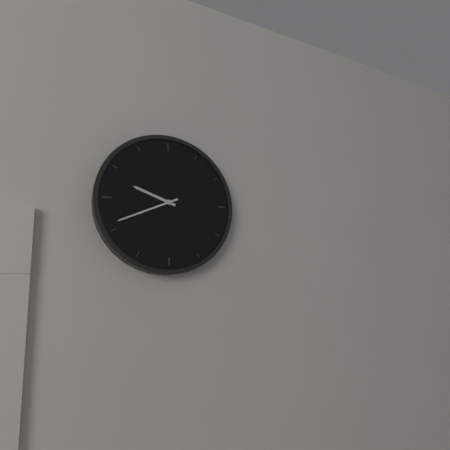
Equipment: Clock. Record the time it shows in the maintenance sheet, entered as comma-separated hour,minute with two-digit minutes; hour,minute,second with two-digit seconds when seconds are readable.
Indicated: 9,41
